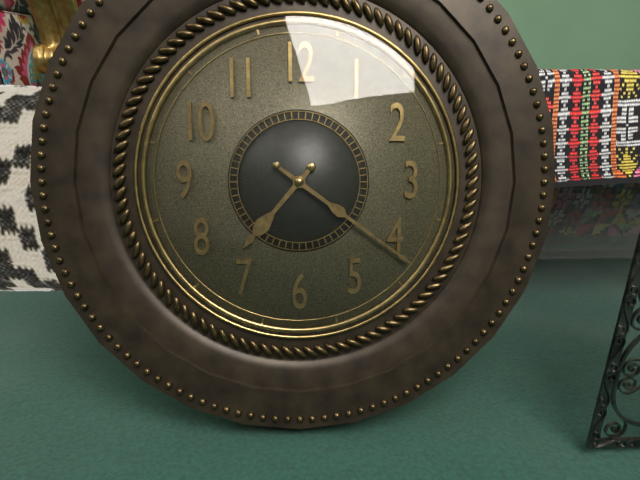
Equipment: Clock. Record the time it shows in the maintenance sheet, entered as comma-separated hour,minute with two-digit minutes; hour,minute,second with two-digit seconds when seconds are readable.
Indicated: 7,21
